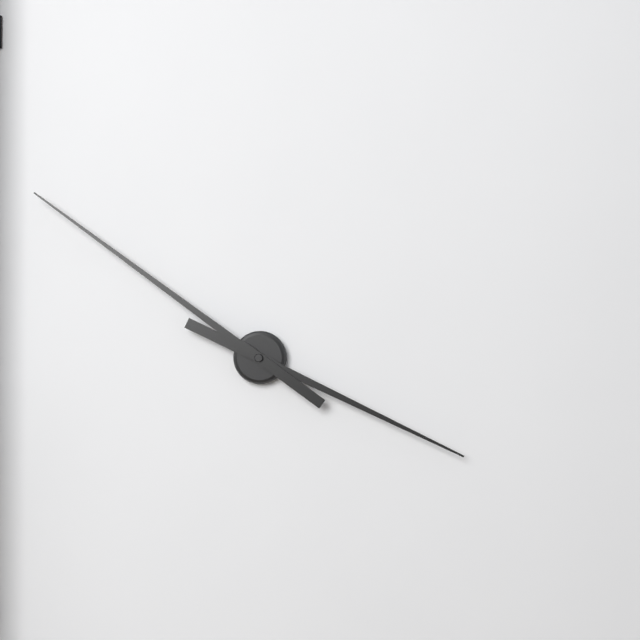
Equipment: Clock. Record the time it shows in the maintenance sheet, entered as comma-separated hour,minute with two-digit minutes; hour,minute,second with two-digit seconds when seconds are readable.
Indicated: 3,51
